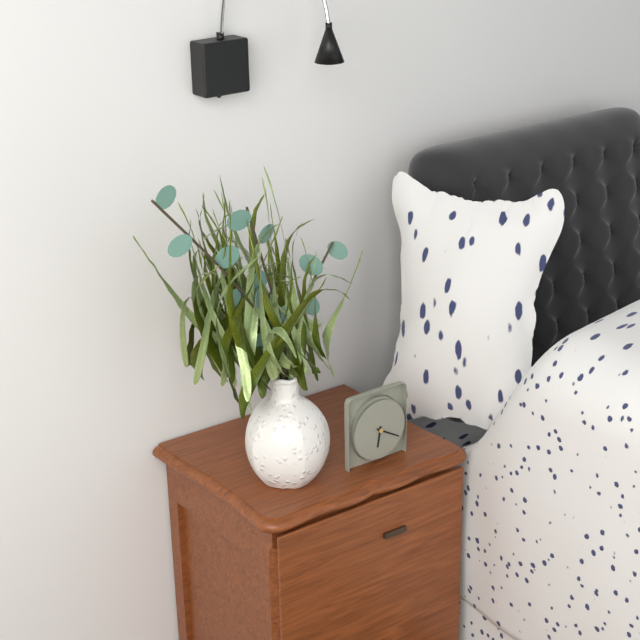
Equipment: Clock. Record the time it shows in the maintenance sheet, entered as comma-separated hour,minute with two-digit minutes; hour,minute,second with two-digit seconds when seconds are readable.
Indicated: 6,20
